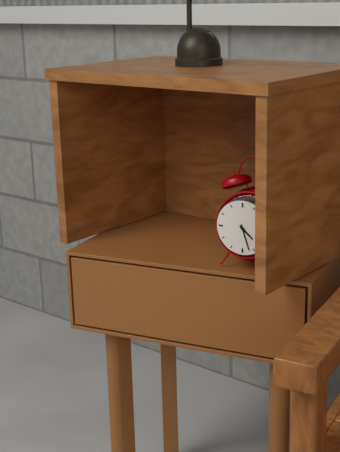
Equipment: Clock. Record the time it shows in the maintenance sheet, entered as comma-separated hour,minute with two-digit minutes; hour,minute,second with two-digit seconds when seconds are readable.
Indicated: 4,27
